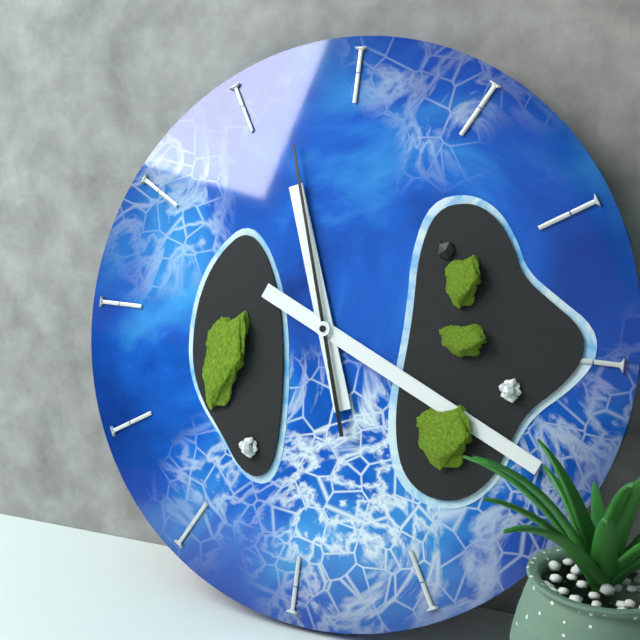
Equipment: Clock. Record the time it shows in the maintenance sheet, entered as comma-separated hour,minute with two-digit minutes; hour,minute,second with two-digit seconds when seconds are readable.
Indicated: 11,19,57
